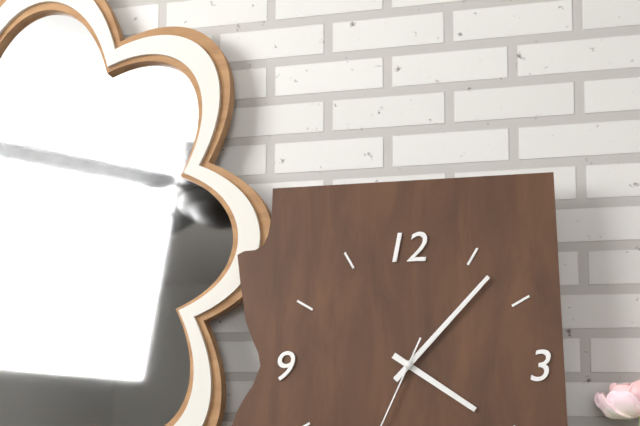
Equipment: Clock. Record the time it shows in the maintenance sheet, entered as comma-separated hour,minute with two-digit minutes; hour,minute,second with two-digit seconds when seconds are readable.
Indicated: 4,07
